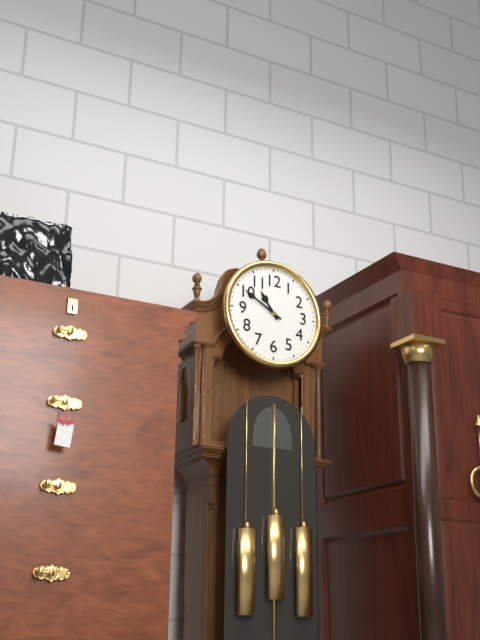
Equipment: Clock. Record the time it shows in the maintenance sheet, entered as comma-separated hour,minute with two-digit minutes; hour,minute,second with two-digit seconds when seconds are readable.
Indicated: 10,50
